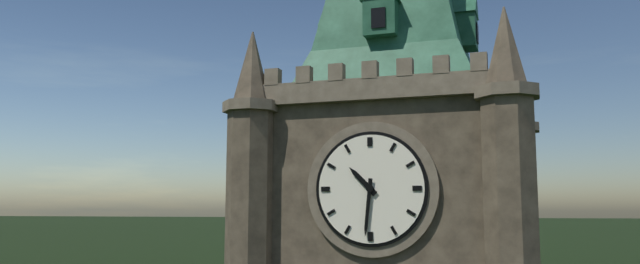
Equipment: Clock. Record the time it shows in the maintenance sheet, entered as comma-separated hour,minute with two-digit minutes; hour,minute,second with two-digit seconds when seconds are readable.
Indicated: 10,31
